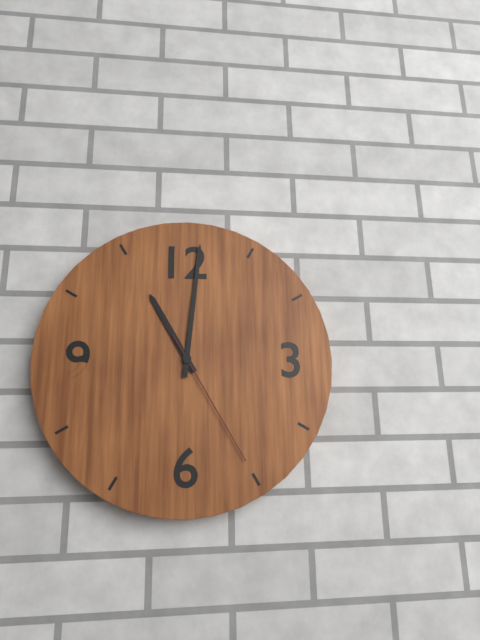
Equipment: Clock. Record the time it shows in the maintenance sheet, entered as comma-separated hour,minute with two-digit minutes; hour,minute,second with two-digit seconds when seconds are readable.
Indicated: 11,01,25
